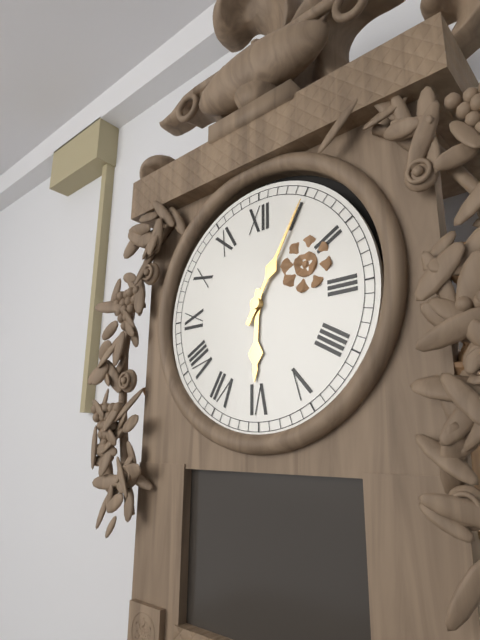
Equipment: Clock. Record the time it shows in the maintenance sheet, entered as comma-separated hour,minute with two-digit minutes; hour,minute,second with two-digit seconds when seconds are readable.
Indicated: 6,05
